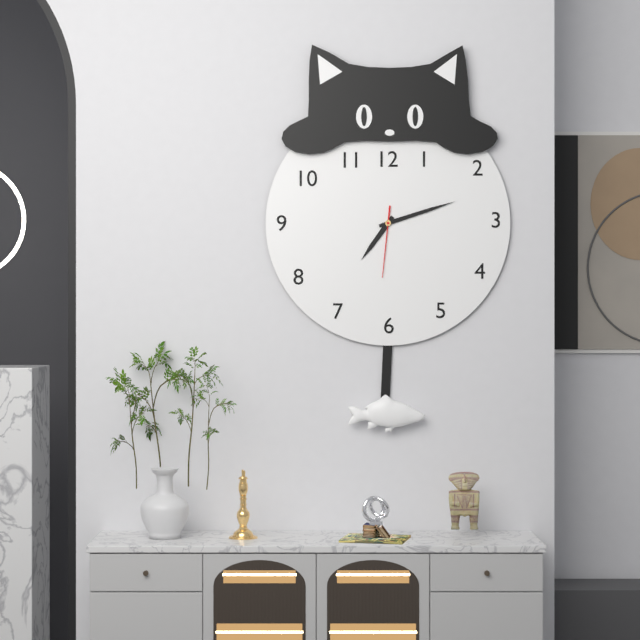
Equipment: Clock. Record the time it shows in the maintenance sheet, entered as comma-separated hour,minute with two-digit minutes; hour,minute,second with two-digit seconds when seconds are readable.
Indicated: 7,12,31
